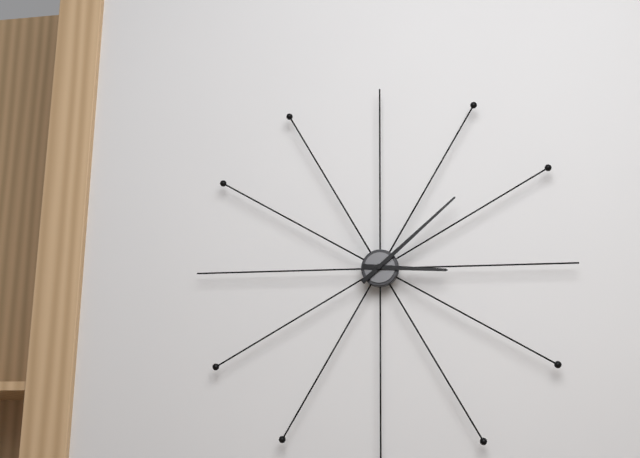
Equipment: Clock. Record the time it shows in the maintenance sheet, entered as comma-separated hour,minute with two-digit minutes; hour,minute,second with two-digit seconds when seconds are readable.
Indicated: 3,08
